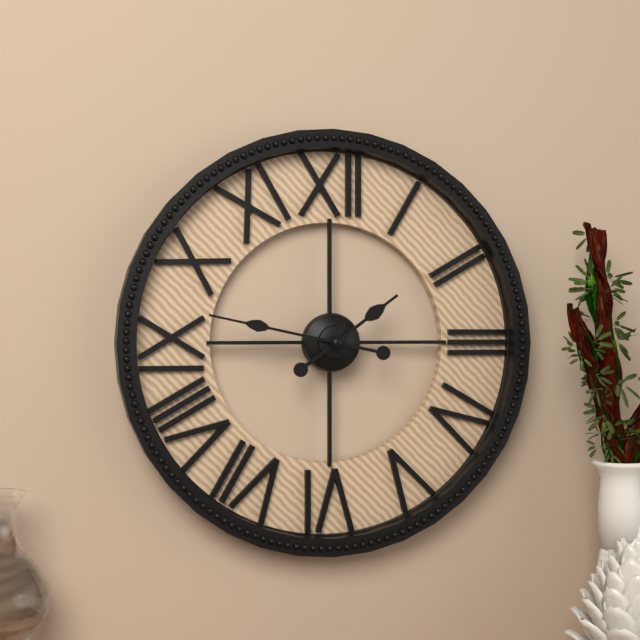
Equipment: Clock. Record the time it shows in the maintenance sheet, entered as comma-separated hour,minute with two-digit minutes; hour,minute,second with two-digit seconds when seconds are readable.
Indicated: 1,47
